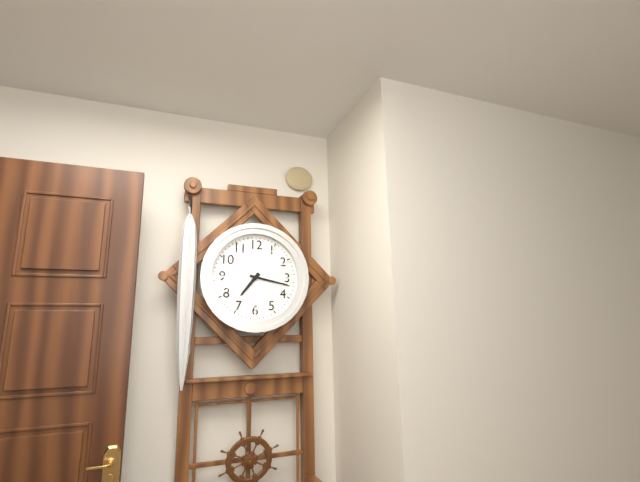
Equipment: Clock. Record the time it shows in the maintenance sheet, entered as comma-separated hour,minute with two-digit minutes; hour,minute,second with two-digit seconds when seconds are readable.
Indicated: 7,17
